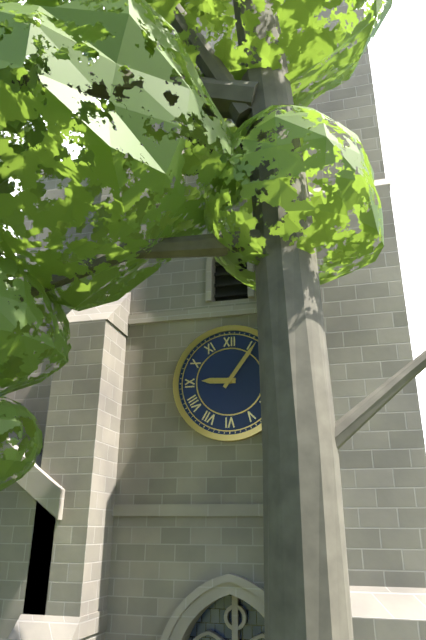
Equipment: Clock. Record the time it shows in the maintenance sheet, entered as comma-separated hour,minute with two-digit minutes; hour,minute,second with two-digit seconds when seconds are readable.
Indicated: 9,06
